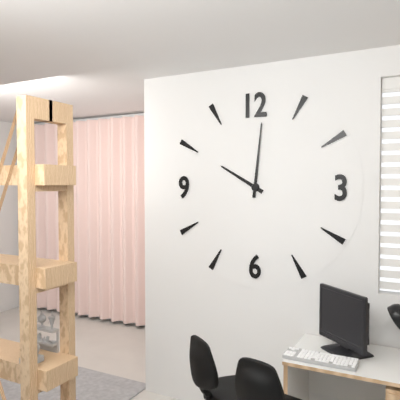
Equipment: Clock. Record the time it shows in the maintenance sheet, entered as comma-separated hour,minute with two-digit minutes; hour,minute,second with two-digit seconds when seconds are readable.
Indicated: 10,01
